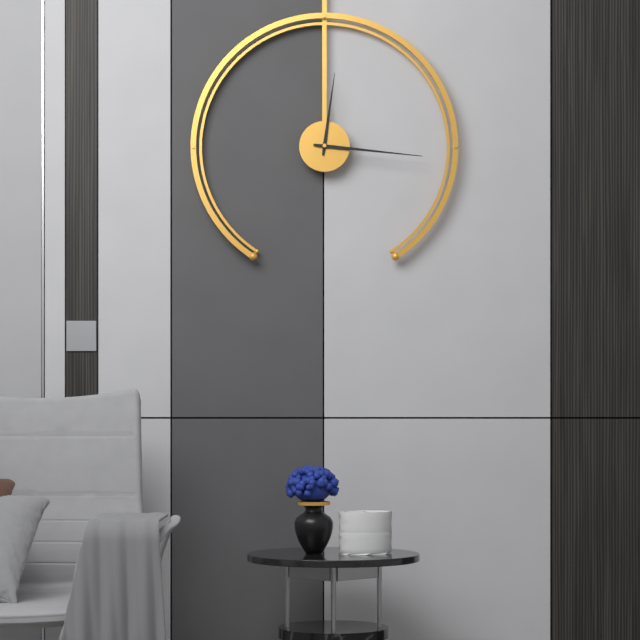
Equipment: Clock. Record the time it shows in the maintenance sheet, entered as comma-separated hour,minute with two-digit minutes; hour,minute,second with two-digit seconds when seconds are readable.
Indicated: 12,16
